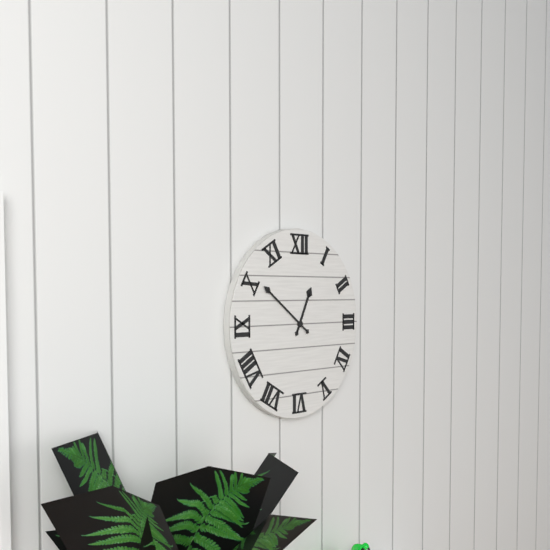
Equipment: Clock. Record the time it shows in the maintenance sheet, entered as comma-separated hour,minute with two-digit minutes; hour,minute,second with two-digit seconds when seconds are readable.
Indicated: 12,51
